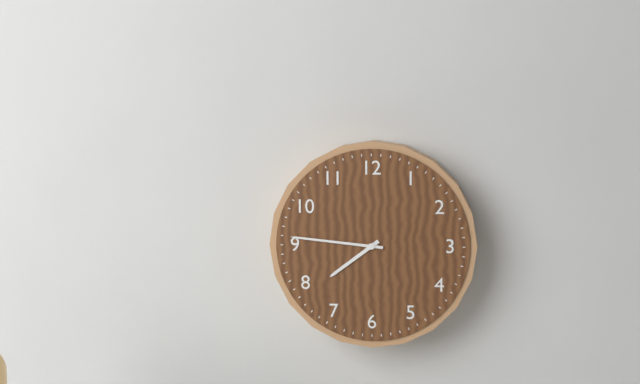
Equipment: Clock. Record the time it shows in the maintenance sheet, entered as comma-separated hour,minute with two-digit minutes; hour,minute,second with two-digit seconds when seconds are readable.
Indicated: 7,46
